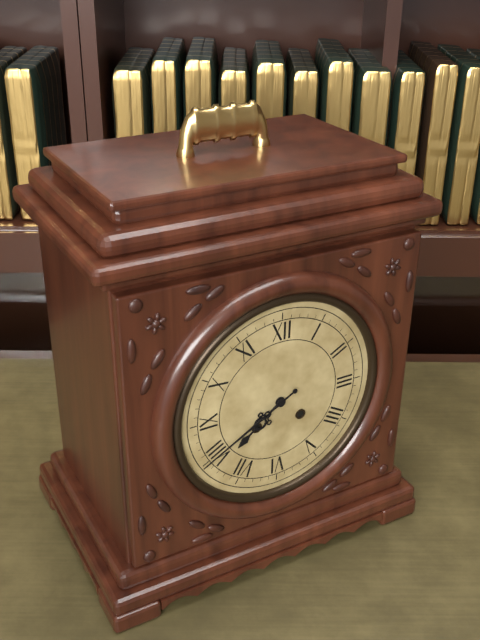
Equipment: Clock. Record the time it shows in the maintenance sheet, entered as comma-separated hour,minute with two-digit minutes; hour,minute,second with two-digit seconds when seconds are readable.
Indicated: 7,40
